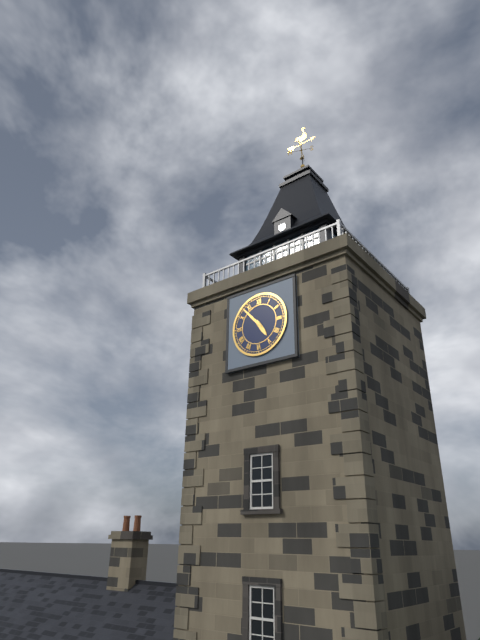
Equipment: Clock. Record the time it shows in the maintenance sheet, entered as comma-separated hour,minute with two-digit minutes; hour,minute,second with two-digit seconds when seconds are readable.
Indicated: 4,53
